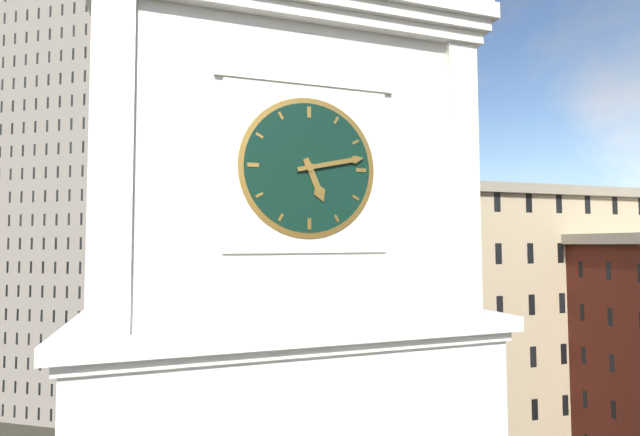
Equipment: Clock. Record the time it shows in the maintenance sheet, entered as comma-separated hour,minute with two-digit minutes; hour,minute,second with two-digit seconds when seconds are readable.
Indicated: 5,13
